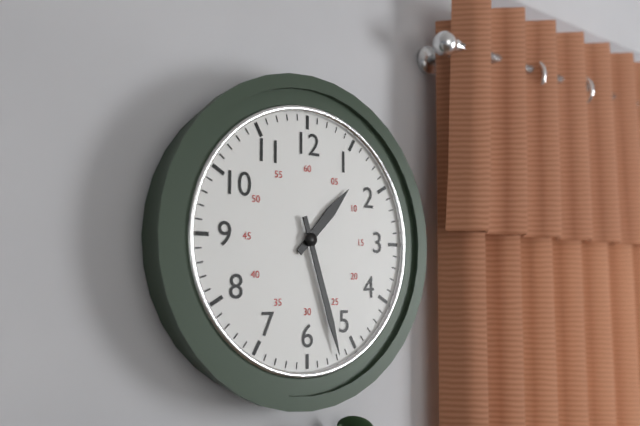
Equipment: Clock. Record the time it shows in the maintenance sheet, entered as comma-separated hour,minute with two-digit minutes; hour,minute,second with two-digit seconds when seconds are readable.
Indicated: 1,27
